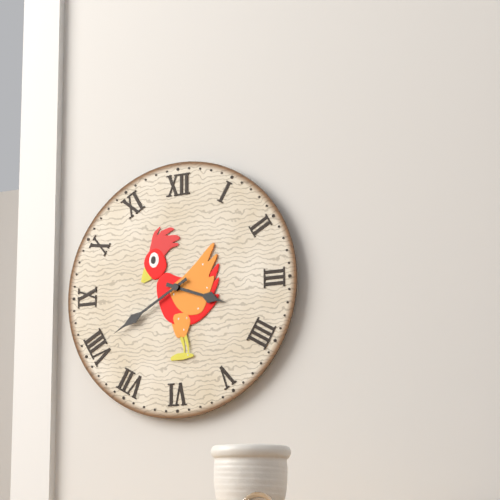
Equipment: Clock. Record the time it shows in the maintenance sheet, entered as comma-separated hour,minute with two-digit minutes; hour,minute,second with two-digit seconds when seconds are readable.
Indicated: 3,40
